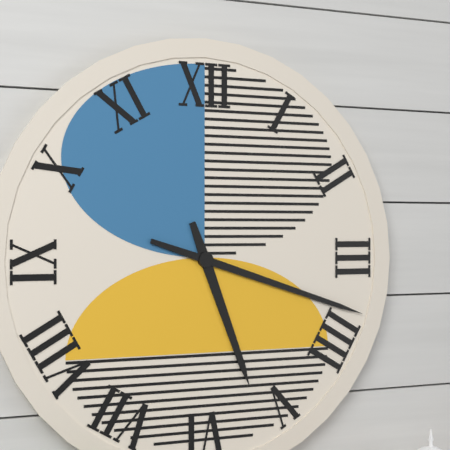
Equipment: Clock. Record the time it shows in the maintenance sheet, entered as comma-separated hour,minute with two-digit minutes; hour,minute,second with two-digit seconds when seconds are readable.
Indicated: 5,18
